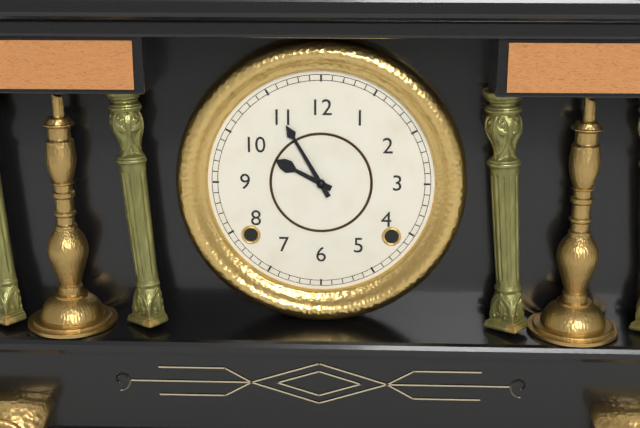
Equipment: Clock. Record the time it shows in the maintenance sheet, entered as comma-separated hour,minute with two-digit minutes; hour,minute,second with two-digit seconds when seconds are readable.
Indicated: 9,55
